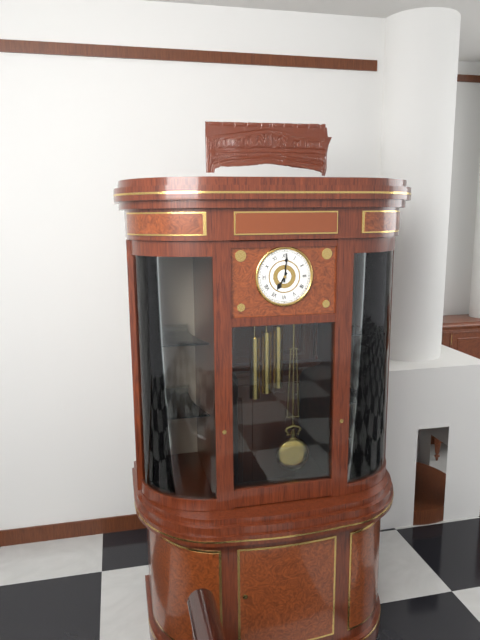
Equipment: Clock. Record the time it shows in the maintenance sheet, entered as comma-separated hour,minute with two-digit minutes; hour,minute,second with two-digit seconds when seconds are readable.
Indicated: 7,01
